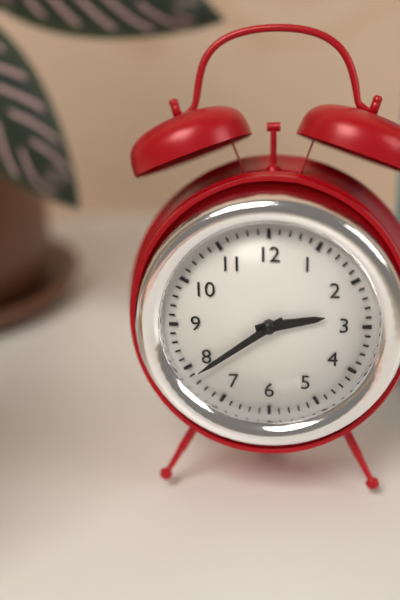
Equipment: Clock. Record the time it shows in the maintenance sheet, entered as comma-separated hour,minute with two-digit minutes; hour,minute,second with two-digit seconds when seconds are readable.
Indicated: 2,39
